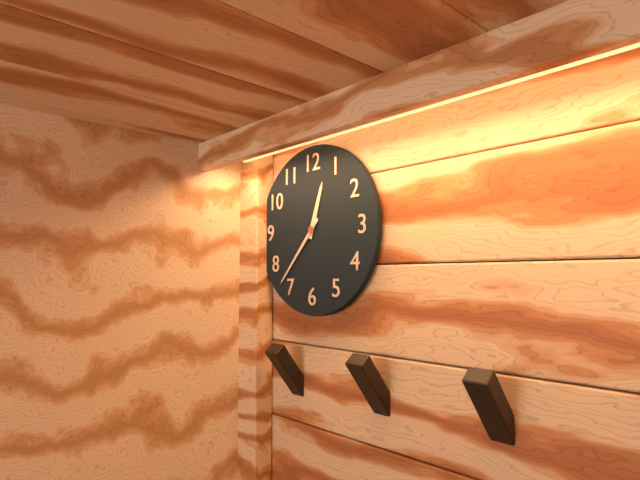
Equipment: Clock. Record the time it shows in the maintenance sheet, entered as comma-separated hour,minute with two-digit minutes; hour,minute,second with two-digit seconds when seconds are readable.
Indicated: 12,37
